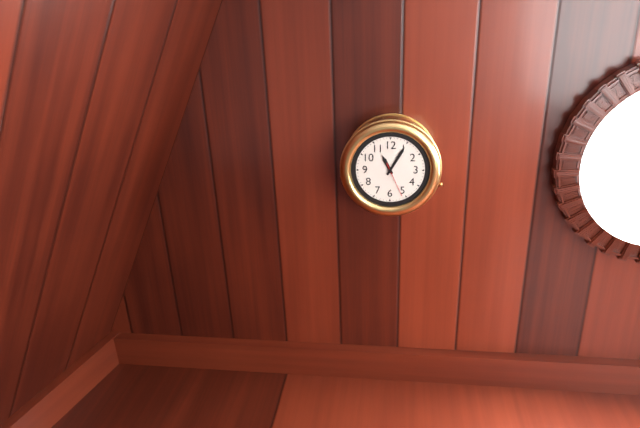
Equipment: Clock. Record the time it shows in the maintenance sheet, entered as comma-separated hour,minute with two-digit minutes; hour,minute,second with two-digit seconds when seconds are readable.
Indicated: 11,05
